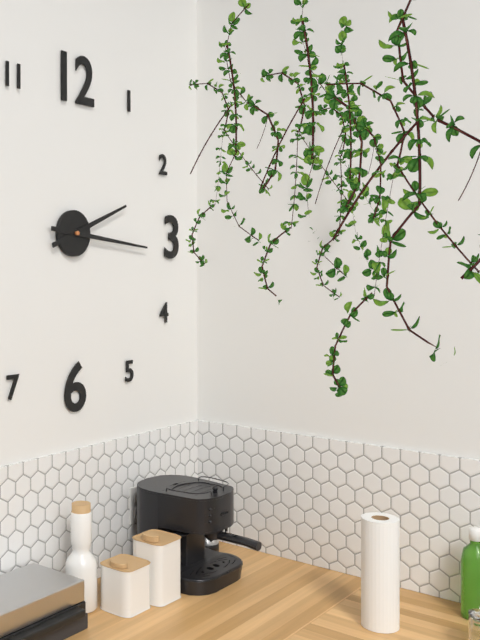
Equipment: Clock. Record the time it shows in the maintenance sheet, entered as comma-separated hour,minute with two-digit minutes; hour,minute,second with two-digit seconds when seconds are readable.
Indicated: 2,16
